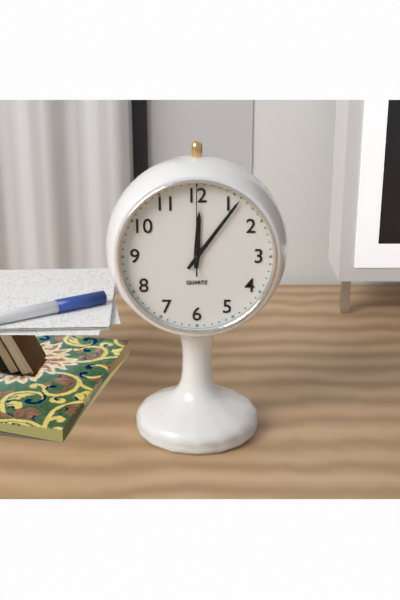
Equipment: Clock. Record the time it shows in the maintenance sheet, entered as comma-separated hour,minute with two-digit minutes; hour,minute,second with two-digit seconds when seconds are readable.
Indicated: 12,06,00
